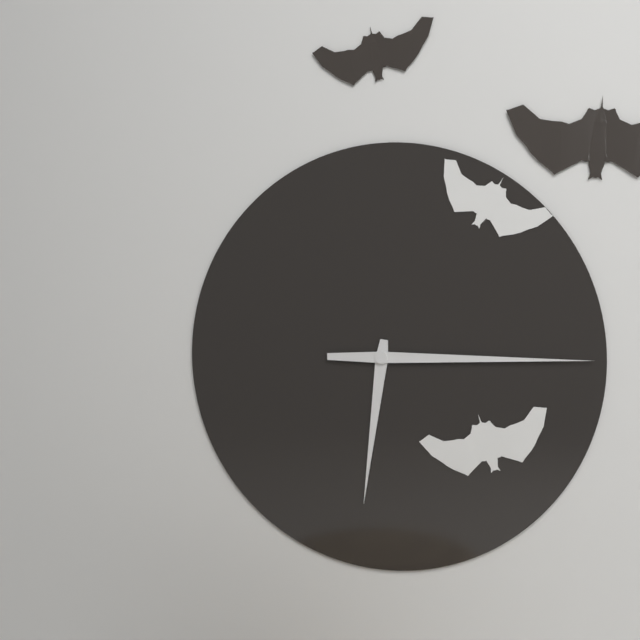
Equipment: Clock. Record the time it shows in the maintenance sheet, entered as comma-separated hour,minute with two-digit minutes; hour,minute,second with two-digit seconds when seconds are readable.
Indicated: 6,15
